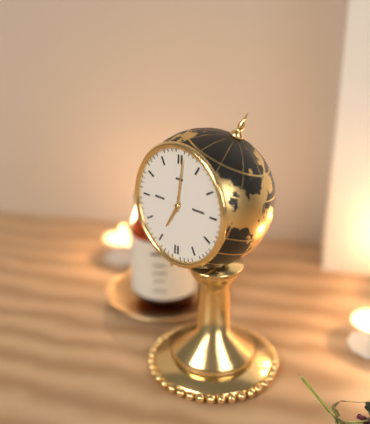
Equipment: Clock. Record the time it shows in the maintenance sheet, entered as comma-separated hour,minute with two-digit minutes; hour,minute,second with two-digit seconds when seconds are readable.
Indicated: 7,01
